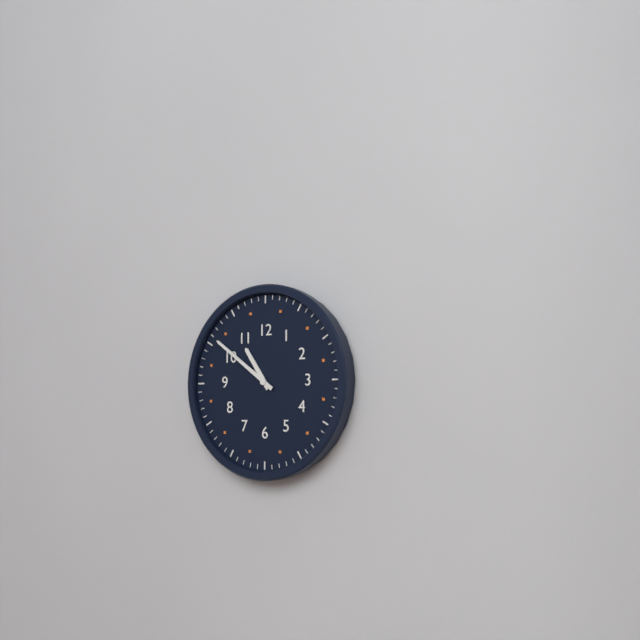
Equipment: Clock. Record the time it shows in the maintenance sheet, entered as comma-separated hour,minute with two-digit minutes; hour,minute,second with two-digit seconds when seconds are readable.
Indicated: 10,51
